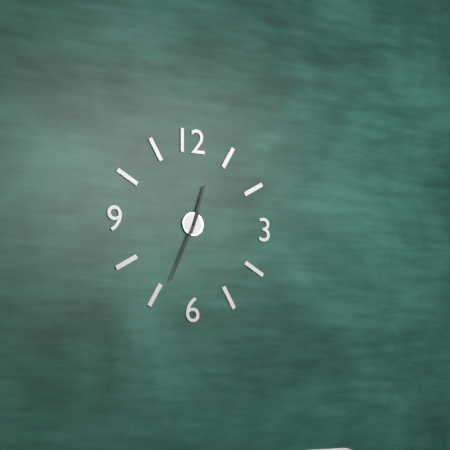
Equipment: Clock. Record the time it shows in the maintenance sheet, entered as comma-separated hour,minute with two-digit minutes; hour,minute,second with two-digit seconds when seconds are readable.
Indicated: 12,34
